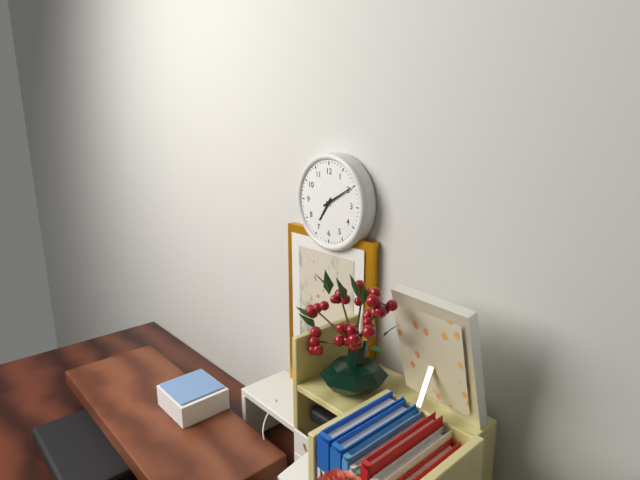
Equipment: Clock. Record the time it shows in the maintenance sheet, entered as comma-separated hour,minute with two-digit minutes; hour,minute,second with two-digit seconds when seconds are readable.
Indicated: 7,10
